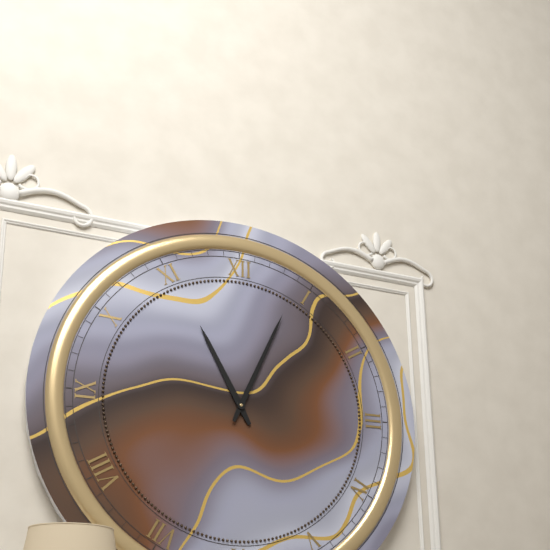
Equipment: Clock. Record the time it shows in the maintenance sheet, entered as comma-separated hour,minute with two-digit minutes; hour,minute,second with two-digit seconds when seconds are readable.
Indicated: 11,04
